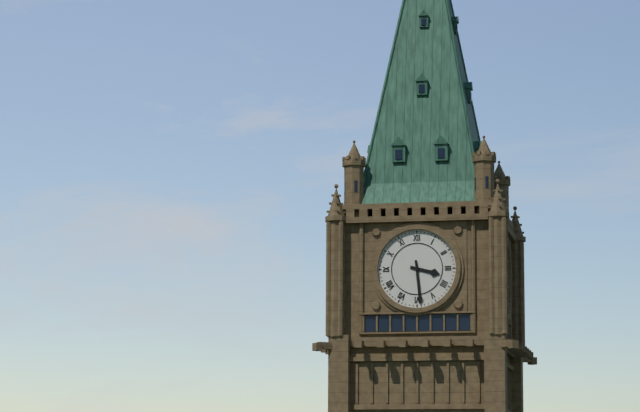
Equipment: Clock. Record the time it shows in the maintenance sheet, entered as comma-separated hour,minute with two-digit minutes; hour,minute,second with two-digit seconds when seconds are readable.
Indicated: 3,29
